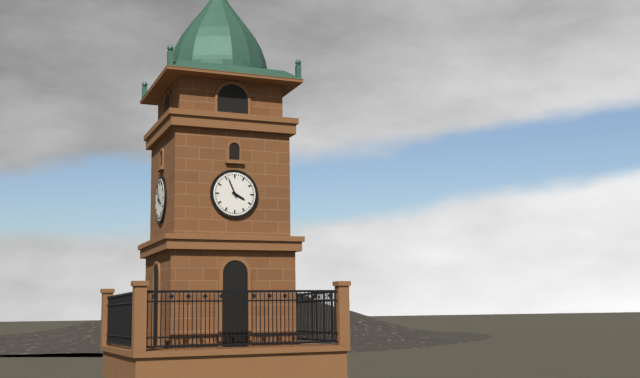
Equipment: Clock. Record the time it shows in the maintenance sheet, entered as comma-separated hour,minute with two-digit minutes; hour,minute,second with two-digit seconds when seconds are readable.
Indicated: 3,56
